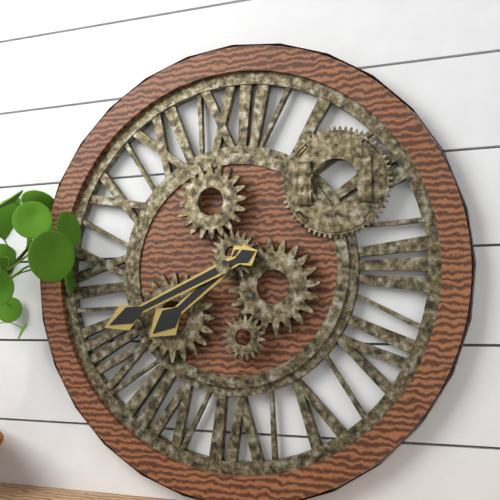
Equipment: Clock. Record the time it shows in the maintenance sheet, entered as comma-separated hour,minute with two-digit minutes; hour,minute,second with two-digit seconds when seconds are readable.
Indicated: 7,41
